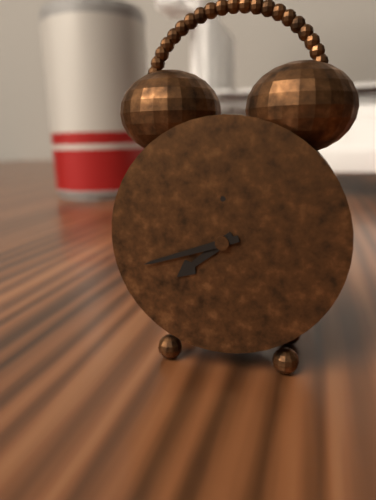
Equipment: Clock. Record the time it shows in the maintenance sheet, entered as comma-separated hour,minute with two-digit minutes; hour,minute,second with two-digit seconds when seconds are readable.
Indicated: 7,42
